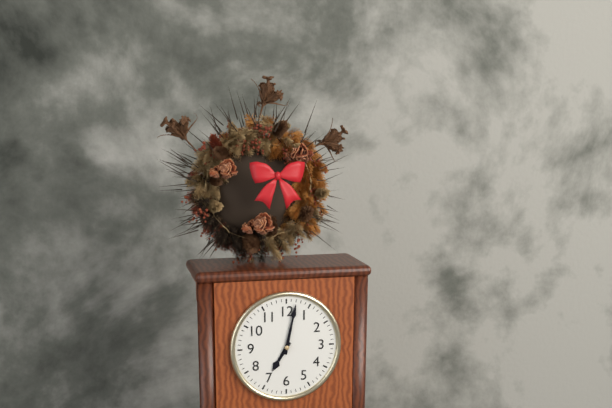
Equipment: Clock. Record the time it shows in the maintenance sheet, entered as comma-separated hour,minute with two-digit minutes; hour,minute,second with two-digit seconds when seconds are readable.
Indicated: 7,02
